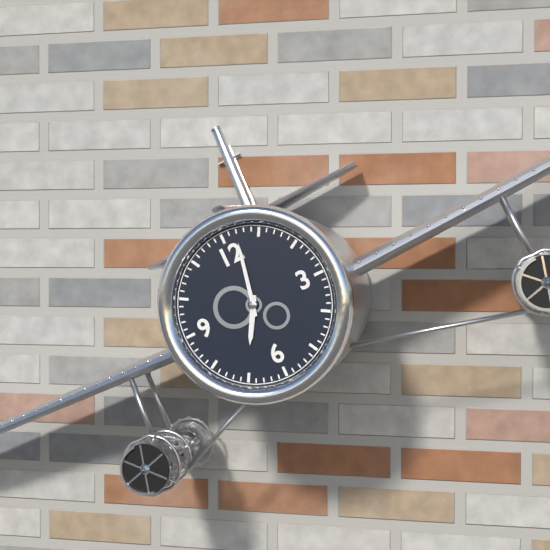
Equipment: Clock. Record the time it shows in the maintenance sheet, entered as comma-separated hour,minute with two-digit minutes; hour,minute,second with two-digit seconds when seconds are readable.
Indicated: 7,02
